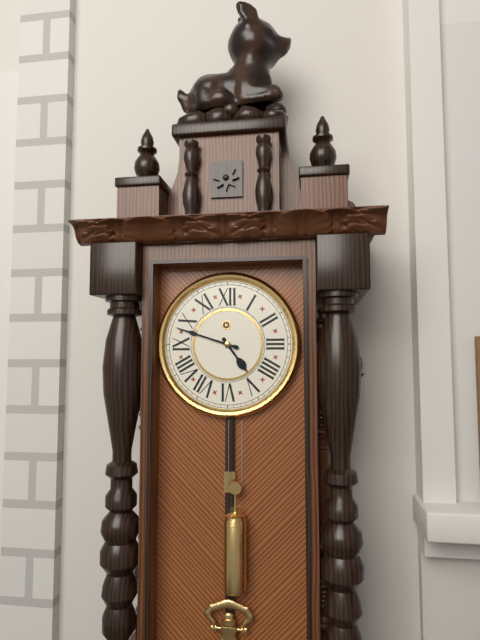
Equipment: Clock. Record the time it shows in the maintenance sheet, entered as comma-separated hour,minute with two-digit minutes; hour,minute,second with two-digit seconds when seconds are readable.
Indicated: 4,48
